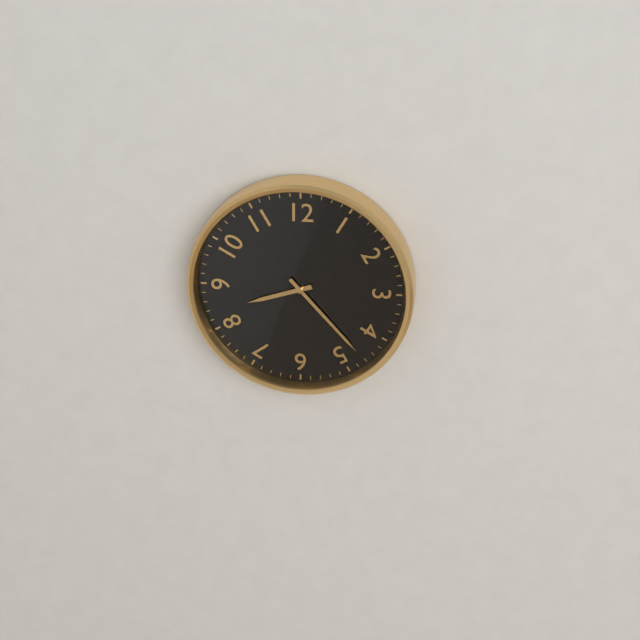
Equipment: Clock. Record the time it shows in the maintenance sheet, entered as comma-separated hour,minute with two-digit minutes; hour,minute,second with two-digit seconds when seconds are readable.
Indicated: 8,23
